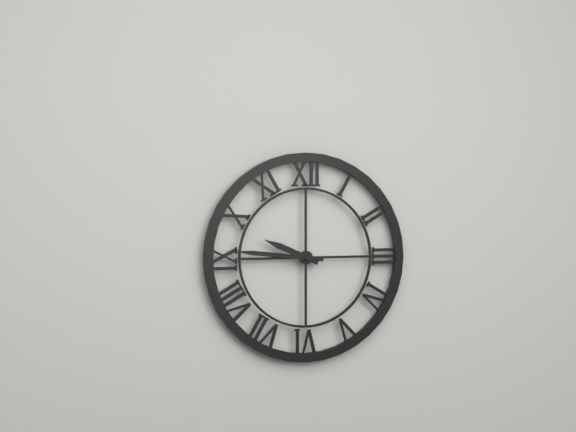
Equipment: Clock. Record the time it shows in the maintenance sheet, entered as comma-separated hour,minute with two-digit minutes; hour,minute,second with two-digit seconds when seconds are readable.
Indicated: 9,46
